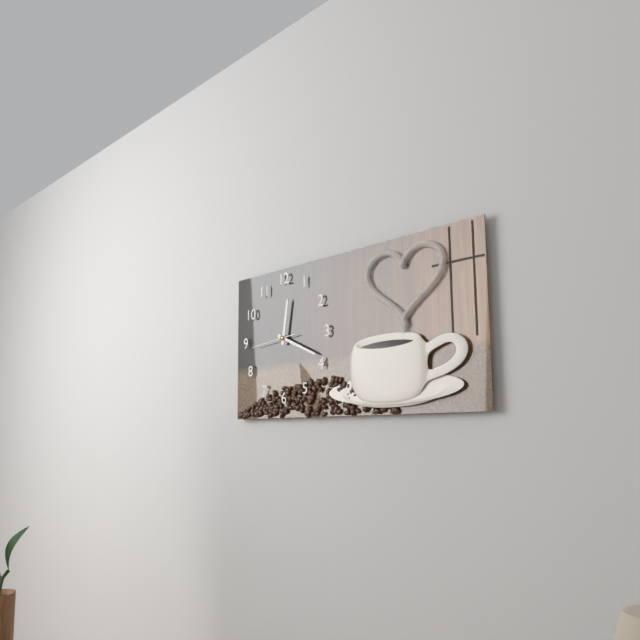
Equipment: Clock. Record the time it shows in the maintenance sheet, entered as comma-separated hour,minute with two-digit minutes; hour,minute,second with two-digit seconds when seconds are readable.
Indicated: 12,19
